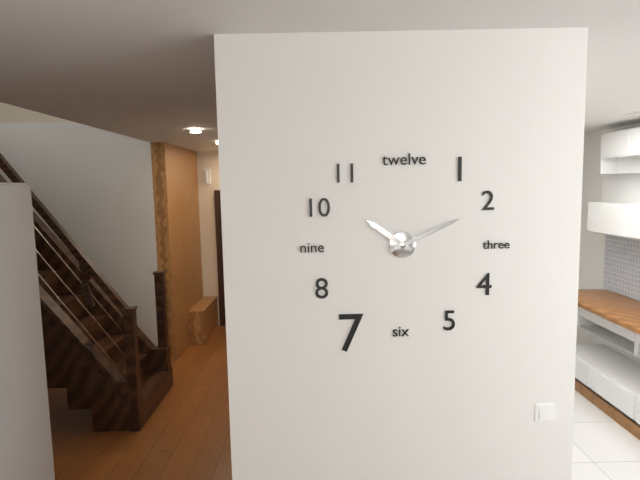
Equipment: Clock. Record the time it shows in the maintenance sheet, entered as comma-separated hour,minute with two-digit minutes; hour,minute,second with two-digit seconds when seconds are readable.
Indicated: 10,11
